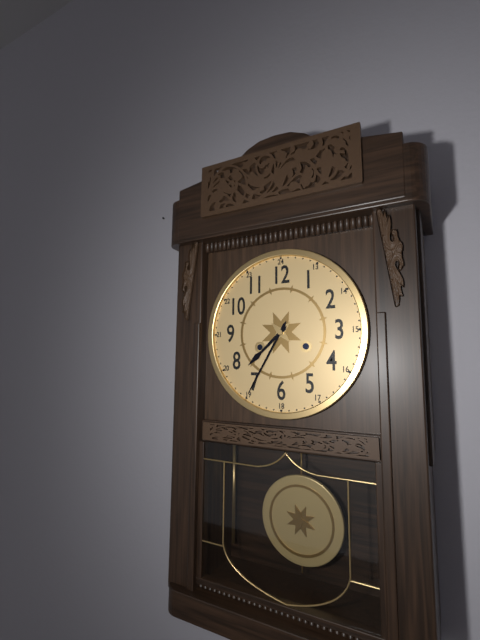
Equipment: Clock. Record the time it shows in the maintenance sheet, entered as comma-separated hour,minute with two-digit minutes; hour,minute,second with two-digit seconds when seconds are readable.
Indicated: 7,35
